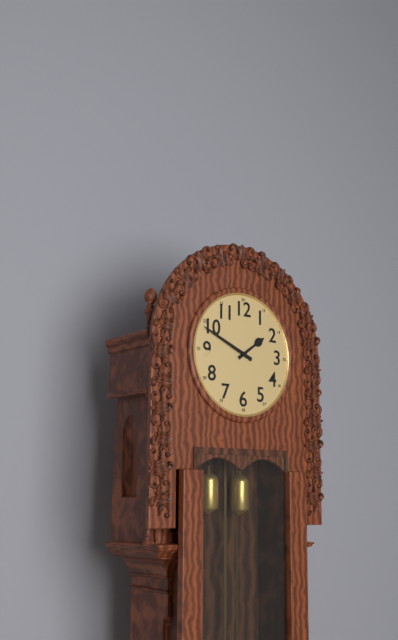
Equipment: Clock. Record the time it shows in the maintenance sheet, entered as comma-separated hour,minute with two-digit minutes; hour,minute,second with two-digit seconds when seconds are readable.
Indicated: 1,49
